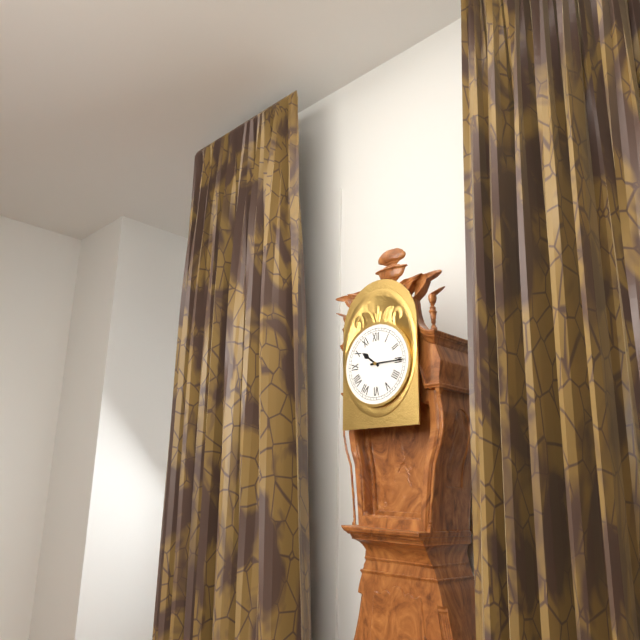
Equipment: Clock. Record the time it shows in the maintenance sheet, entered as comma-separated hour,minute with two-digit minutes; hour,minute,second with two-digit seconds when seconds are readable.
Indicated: 10,15
